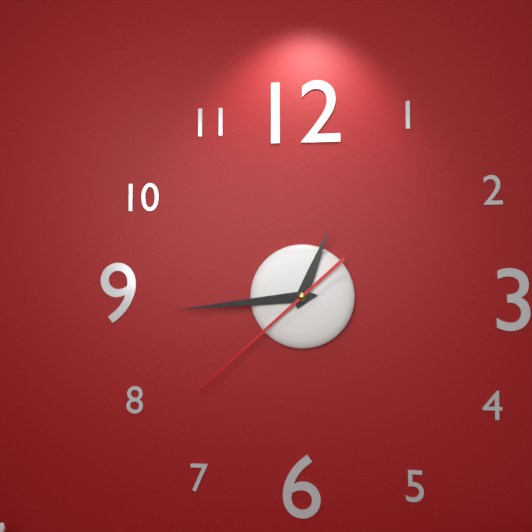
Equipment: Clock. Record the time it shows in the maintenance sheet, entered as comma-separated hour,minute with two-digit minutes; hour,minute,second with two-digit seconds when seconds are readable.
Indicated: 12,44,38
